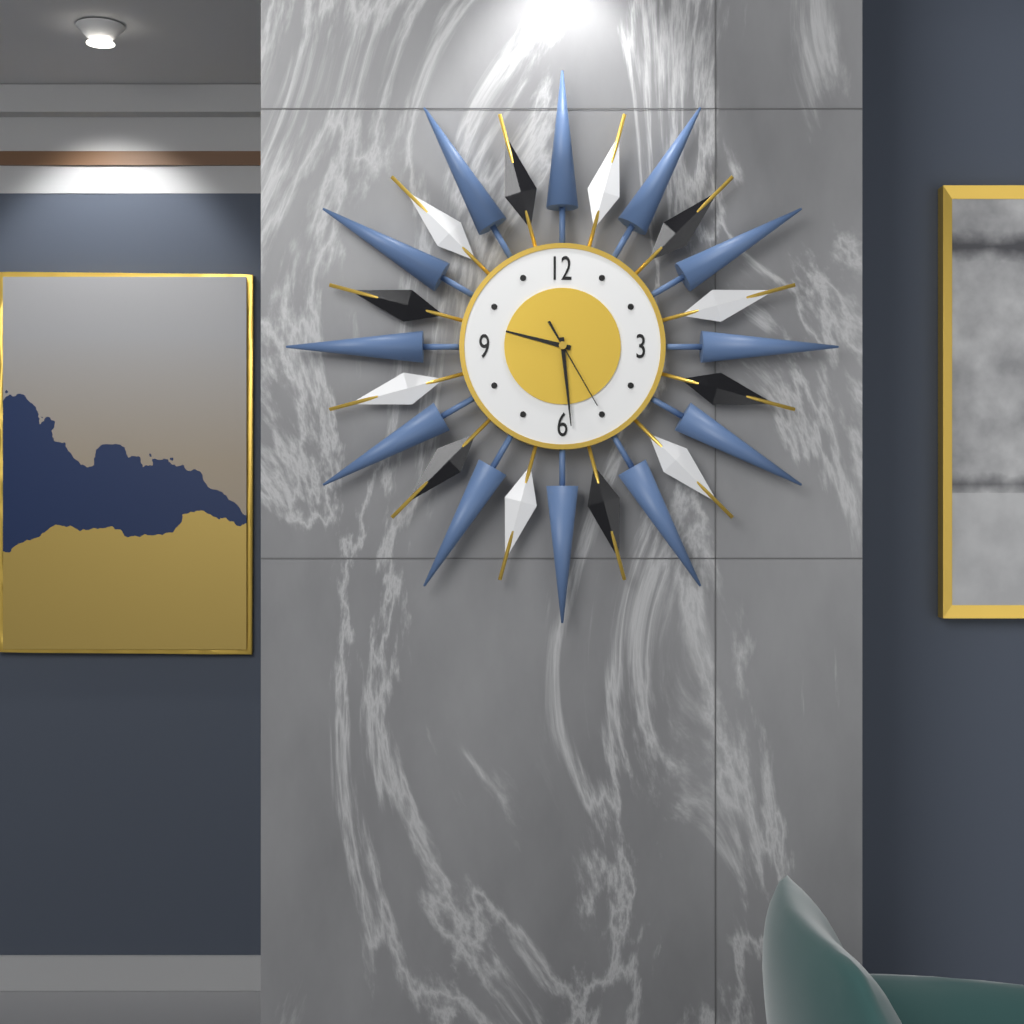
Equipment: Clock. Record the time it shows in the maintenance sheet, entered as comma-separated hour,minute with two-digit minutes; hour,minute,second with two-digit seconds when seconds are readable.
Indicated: 9,29,25
